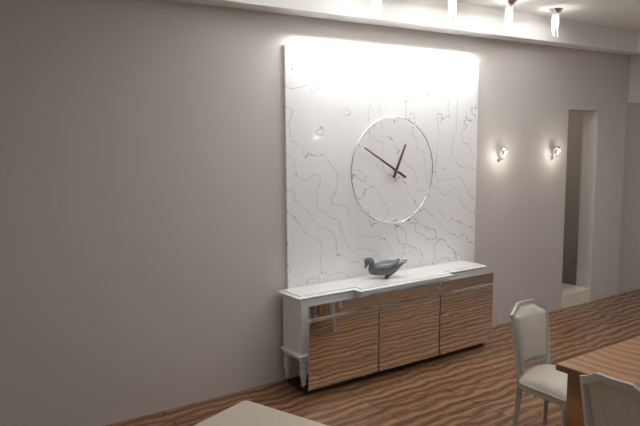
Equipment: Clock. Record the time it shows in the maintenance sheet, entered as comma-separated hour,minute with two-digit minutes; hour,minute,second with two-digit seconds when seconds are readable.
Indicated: 12,50
